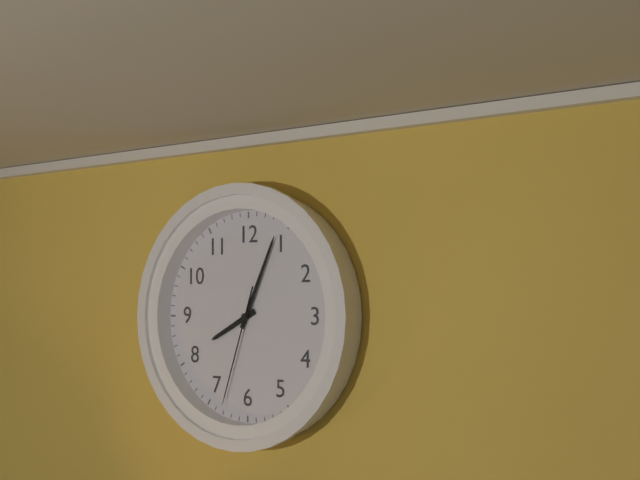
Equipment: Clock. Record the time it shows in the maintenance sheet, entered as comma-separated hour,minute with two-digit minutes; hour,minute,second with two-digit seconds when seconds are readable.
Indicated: 8,04,33
